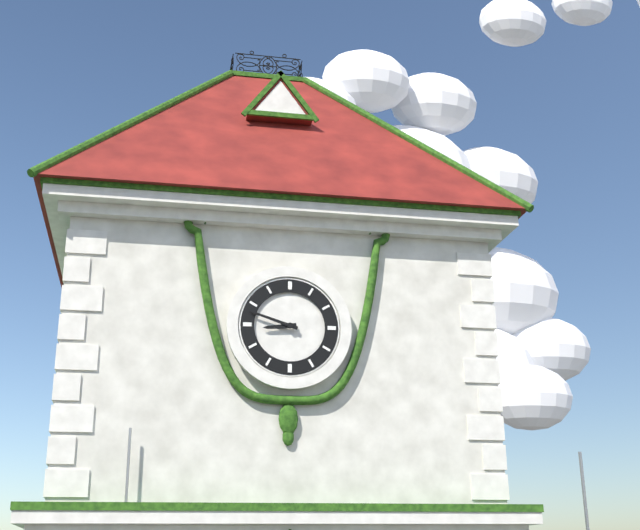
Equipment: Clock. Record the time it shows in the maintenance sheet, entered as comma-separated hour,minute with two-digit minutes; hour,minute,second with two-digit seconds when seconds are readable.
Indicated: 8,48
